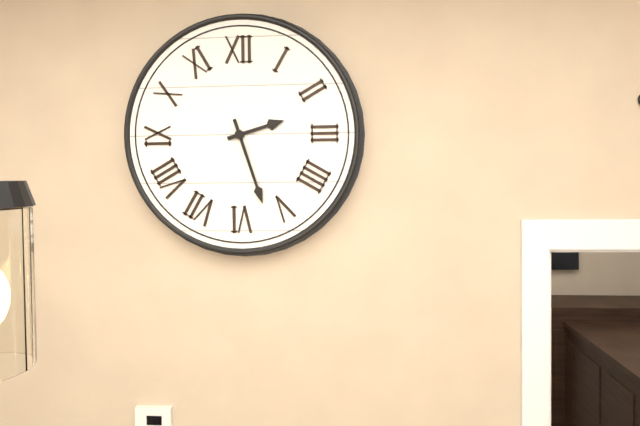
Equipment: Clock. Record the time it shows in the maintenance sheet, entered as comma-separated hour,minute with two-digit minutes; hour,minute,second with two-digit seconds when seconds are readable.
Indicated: 2,27
